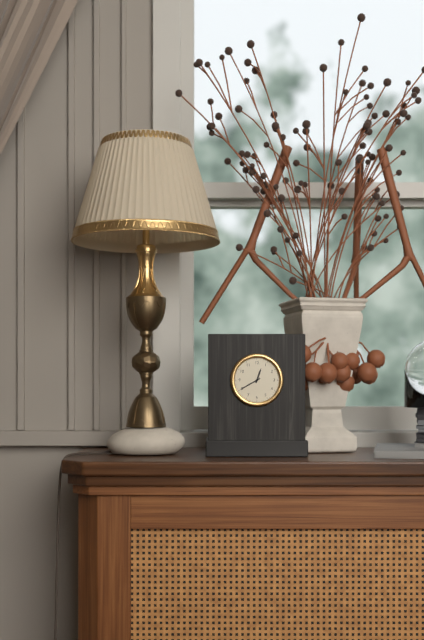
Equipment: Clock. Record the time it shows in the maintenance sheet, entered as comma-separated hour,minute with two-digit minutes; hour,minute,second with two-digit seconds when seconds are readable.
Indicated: 12,40
